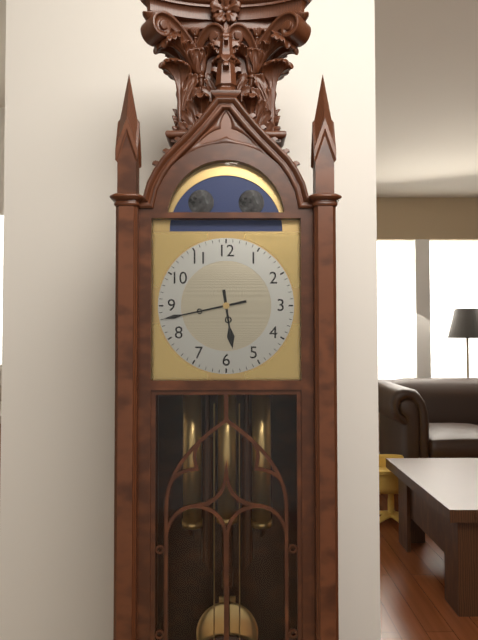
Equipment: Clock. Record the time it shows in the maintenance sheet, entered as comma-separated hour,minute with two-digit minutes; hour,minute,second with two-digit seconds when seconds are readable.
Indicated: 5,43
